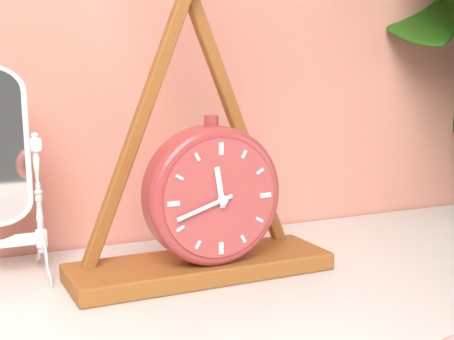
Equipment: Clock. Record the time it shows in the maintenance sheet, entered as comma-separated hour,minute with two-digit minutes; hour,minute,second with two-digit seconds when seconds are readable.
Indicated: 11,42
